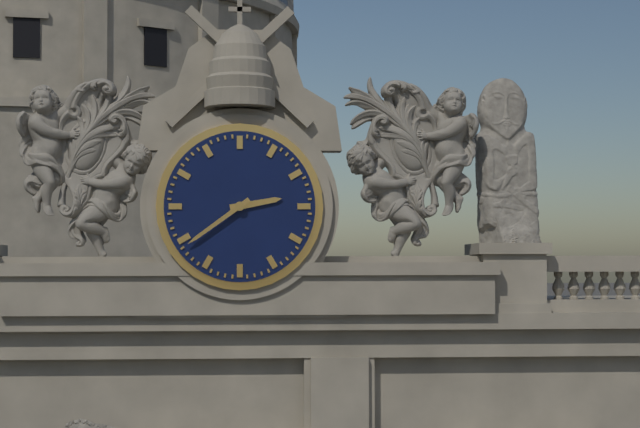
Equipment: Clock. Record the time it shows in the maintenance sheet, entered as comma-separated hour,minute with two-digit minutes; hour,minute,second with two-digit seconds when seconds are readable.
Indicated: 2,39
